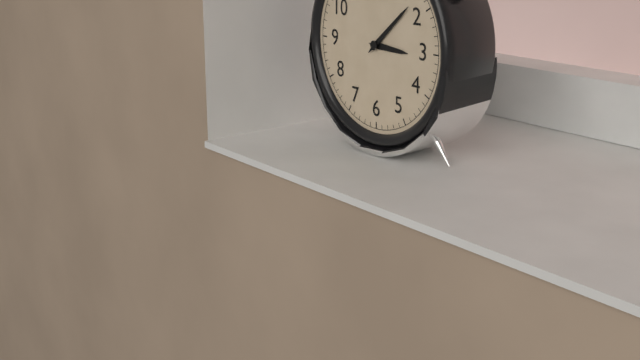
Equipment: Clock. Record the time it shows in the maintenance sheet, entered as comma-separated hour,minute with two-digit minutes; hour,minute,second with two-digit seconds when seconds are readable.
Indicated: 3,08
